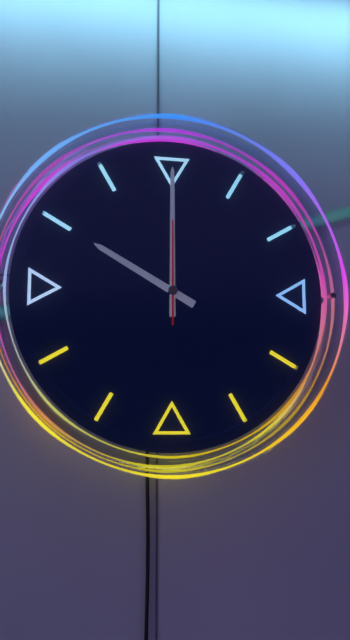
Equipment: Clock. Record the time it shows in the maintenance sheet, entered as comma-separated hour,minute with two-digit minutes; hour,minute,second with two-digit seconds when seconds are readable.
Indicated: 10,00,00
